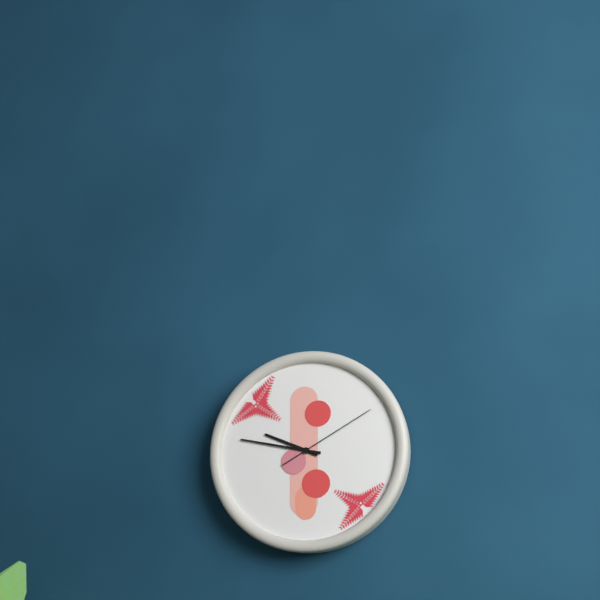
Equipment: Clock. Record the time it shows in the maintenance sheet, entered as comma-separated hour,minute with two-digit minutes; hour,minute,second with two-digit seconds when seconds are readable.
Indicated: 9,47,10
